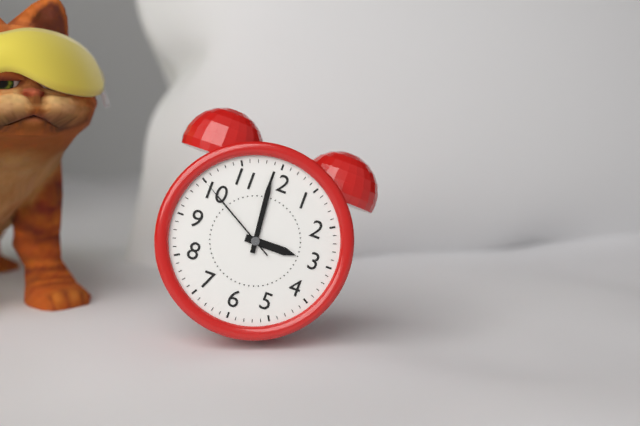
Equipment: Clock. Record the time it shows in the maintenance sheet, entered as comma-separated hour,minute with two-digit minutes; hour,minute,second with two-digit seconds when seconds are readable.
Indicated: 2,59,50
